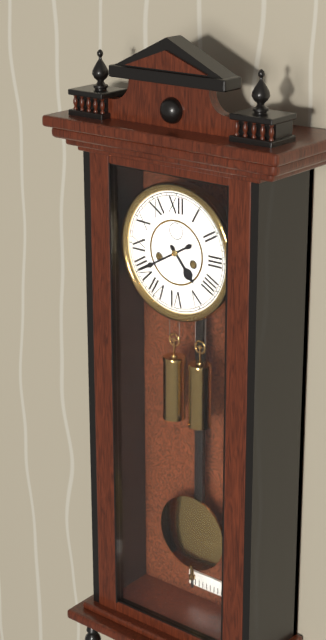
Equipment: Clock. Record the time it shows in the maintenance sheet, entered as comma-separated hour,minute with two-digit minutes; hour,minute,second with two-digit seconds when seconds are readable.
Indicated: 4,40
